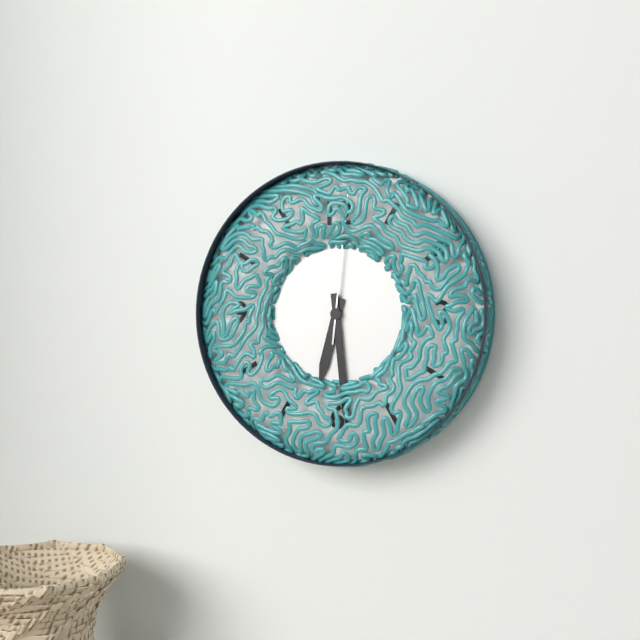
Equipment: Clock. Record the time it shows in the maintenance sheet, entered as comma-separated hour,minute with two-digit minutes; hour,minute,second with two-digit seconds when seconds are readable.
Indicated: 6,29
